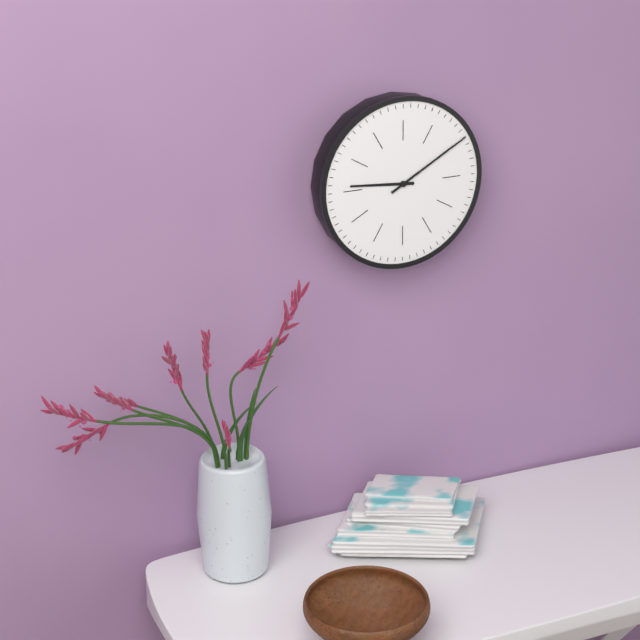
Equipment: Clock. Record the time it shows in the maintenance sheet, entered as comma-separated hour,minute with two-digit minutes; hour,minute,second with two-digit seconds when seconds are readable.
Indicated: 9,10
